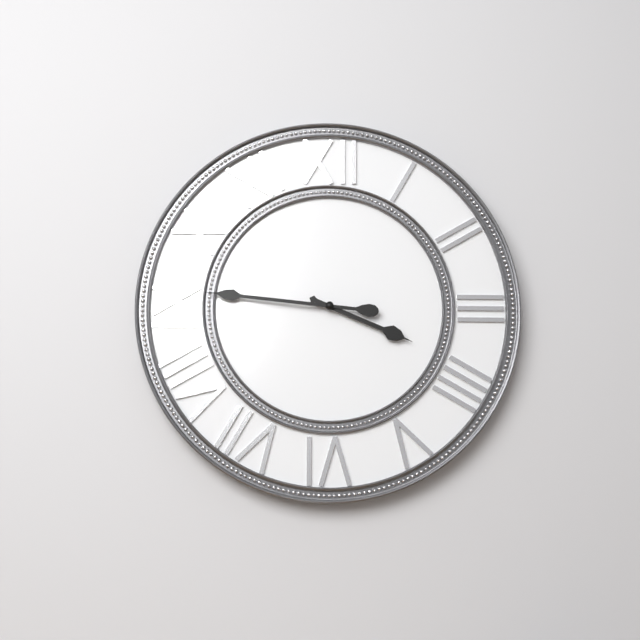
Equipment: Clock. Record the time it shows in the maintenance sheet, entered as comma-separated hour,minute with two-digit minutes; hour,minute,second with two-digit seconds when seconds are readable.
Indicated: 3,46
